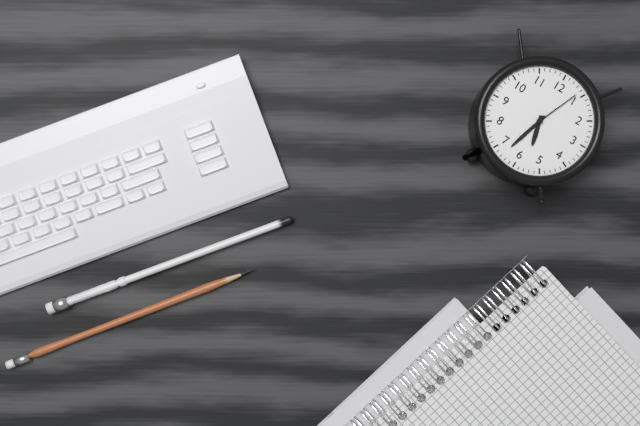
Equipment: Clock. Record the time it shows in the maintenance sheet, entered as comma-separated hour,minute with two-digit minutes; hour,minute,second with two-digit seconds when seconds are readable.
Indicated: 5,33,04
